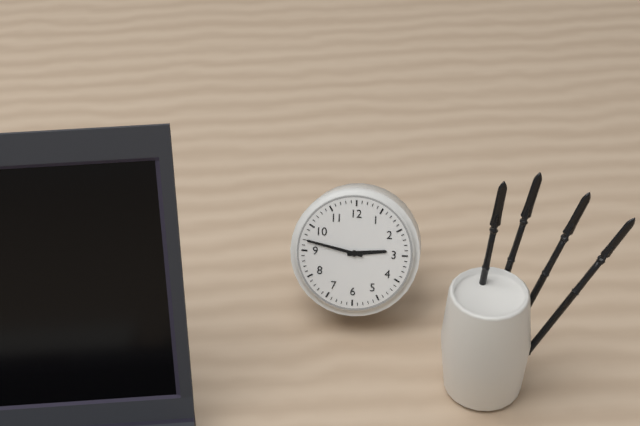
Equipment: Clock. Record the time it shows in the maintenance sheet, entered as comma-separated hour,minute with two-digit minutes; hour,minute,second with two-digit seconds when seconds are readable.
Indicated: 2,47
